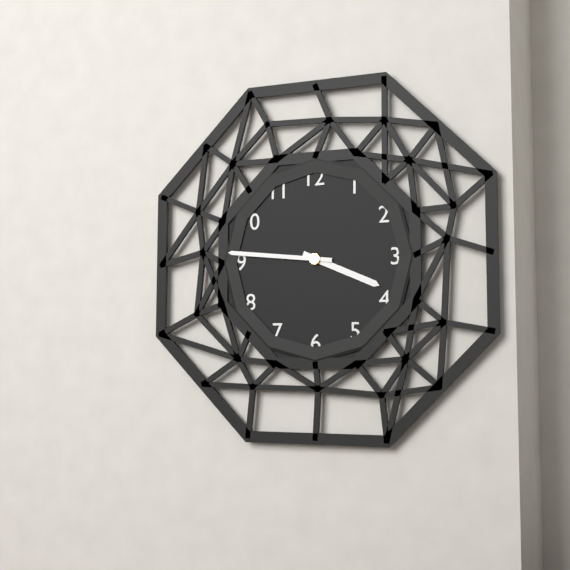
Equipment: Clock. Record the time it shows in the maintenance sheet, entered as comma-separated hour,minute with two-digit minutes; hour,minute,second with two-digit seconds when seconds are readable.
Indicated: 3,46
